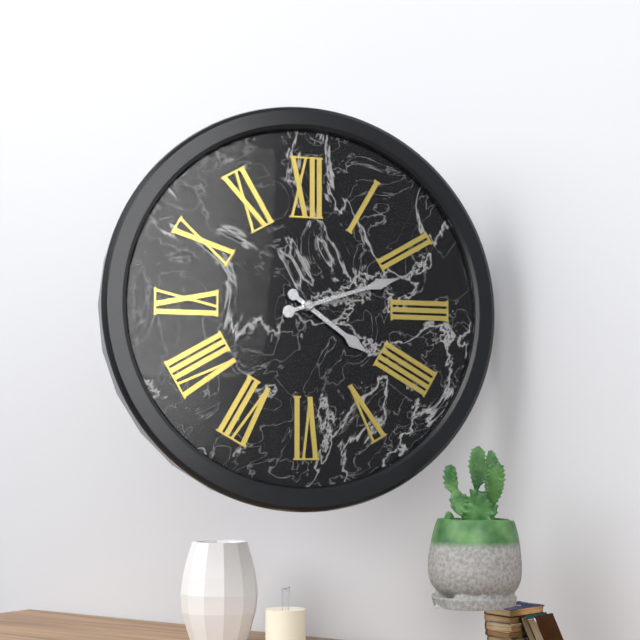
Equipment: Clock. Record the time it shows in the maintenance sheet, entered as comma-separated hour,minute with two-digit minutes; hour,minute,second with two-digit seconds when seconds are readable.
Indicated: 4,12
